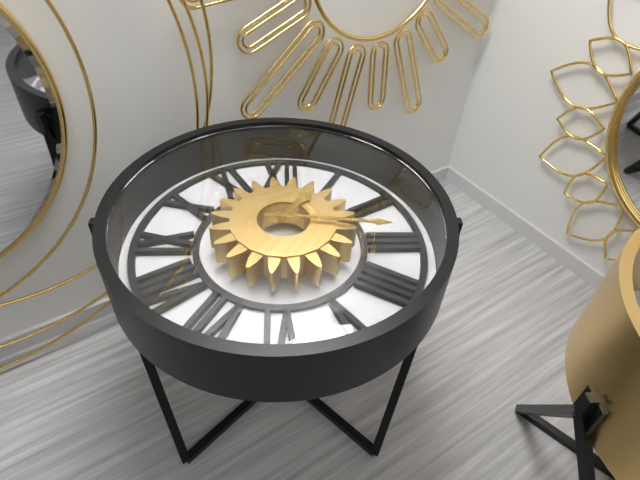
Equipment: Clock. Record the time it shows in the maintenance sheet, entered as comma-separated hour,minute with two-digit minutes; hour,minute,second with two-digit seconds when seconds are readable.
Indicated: 1,16
